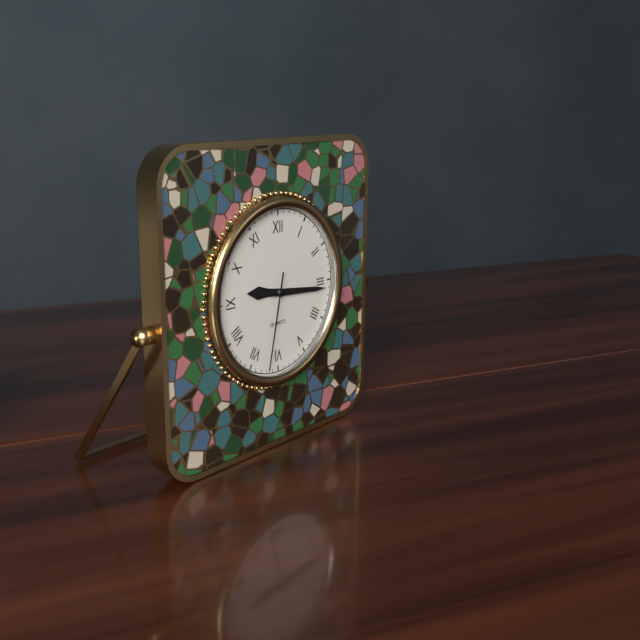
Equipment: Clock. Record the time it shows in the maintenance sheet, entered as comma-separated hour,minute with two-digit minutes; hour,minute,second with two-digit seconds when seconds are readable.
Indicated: 9,16,32
